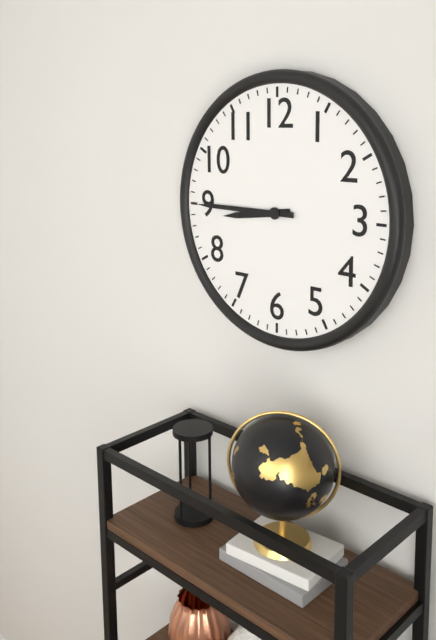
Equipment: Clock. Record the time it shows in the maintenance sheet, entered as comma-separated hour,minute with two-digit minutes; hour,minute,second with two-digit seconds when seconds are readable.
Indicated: 8,45
